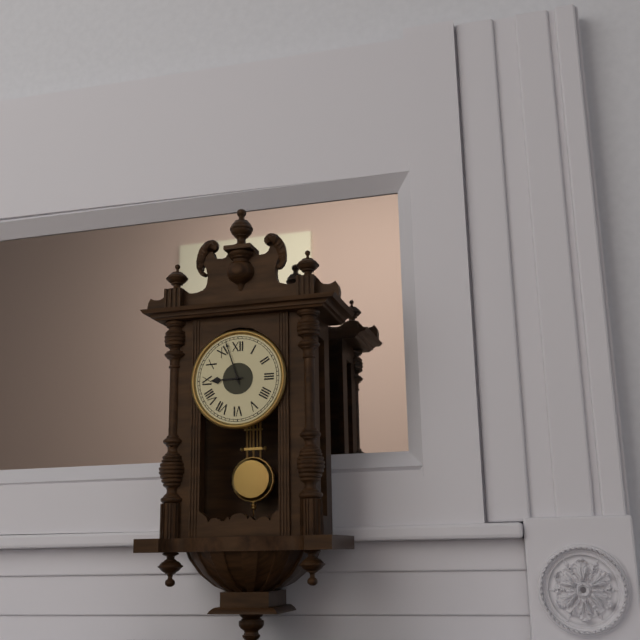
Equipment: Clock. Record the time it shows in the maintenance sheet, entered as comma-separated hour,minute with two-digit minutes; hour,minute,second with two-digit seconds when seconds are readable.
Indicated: 8,57
